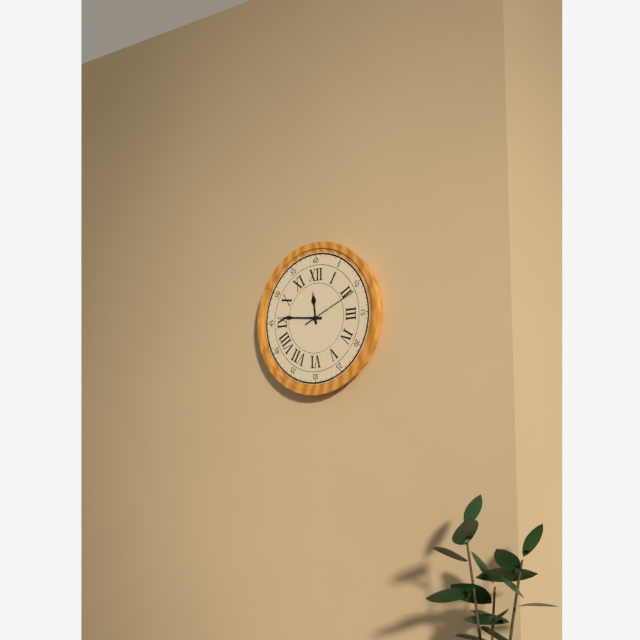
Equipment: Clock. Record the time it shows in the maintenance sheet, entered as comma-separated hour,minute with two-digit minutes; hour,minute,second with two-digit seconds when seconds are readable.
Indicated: 11,46,11
